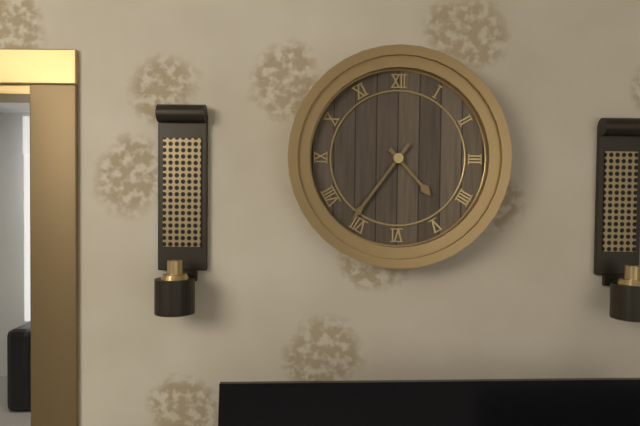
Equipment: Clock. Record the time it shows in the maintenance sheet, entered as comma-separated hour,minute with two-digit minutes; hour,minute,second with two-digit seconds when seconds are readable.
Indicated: 4,36
